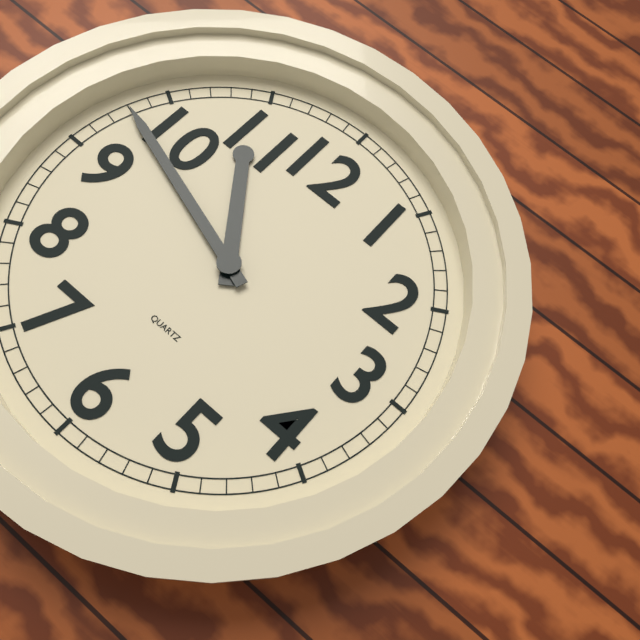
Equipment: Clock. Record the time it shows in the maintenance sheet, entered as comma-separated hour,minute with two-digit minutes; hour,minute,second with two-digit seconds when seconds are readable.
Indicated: 10,48
